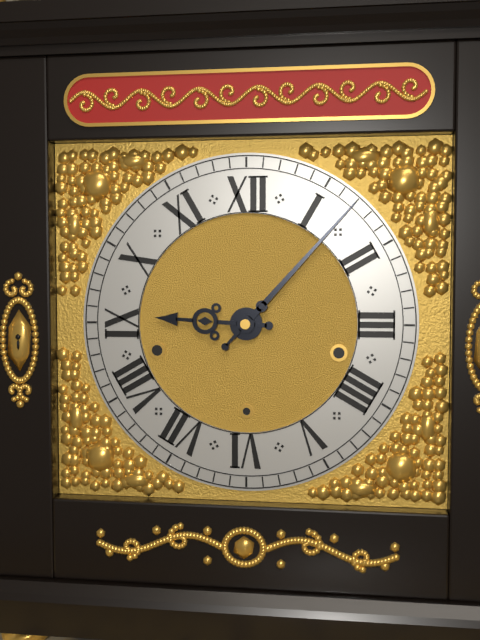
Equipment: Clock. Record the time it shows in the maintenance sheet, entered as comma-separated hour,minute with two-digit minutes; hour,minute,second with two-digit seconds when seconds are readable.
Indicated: 9,07
